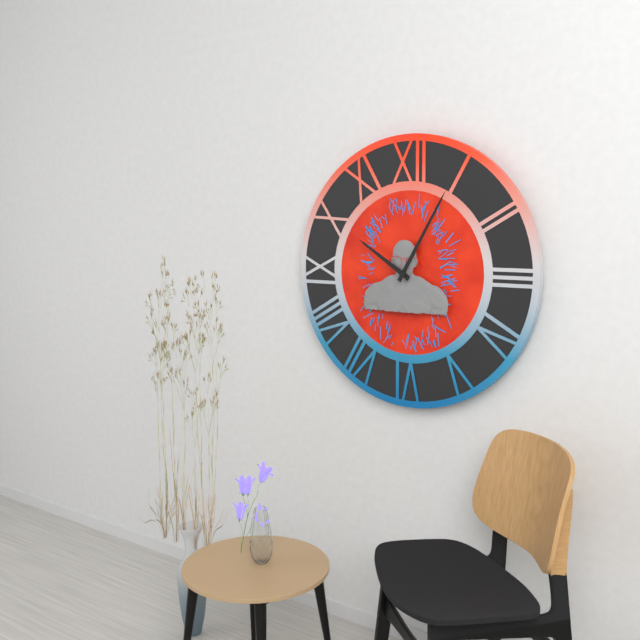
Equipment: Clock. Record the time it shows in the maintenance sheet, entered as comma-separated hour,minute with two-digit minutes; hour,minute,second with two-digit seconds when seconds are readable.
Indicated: 10,05
